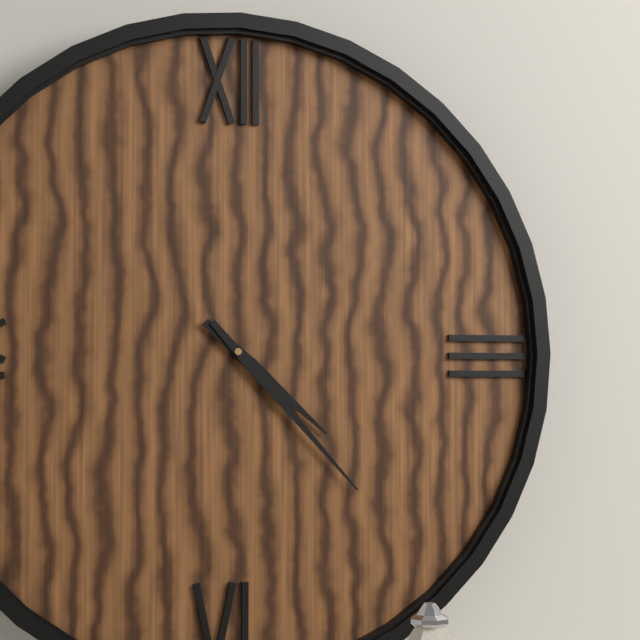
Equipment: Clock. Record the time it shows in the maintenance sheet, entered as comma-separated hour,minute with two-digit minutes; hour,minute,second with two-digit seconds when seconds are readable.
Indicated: 4,23
